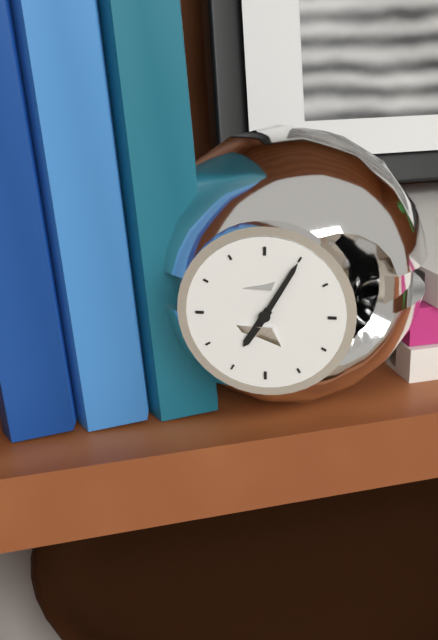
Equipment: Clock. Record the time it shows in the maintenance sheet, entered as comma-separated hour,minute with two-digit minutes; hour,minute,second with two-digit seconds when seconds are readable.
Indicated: 7,05
